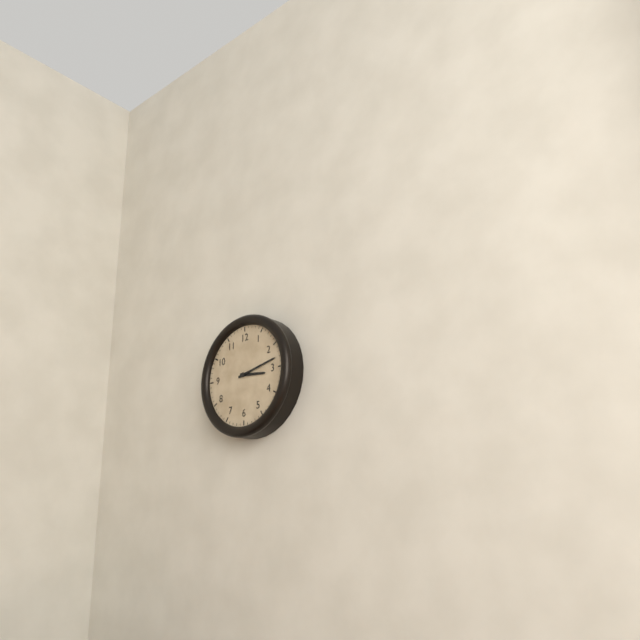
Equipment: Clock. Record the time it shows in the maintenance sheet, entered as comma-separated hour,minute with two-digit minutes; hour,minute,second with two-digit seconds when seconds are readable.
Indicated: 3,13
